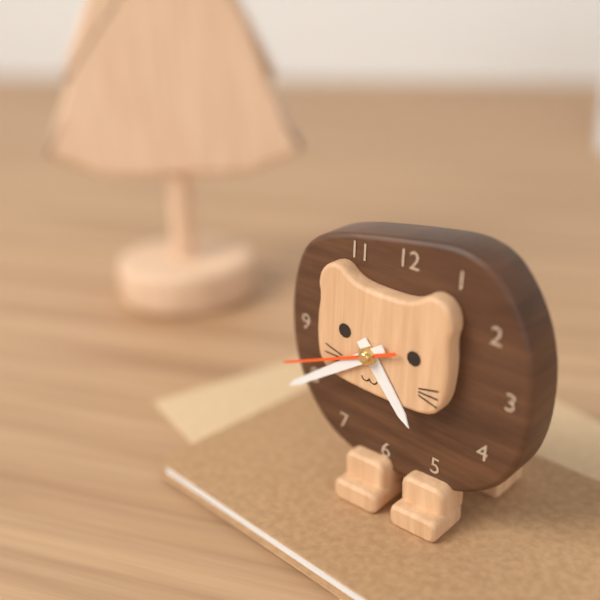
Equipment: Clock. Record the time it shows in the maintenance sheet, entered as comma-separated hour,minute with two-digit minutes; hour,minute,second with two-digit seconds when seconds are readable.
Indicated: 4,39,41
